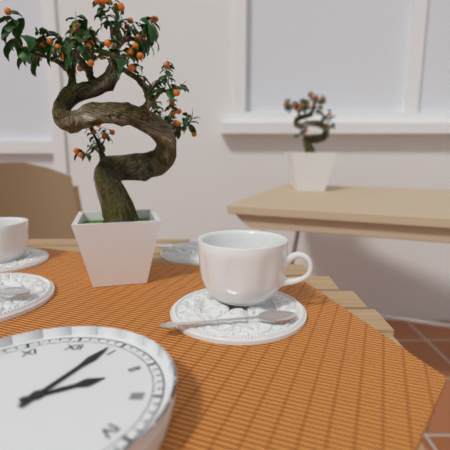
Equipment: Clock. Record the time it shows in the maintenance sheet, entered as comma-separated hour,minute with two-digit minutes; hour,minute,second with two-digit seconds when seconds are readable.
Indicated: 2,04
